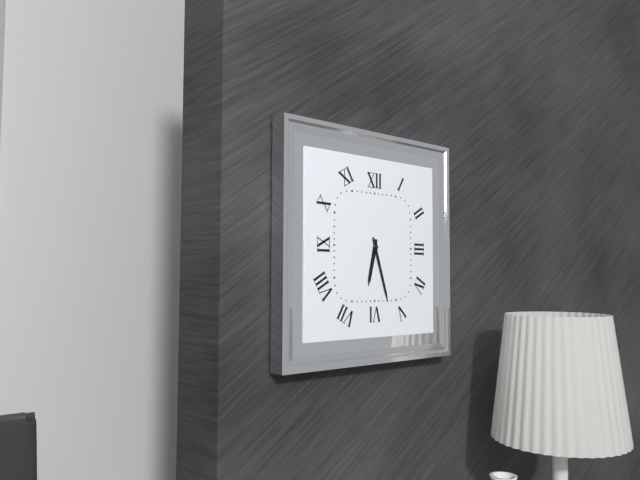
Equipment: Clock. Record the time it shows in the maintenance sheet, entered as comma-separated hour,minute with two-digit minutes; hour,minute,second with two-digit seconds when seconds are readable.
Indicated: 6,27
